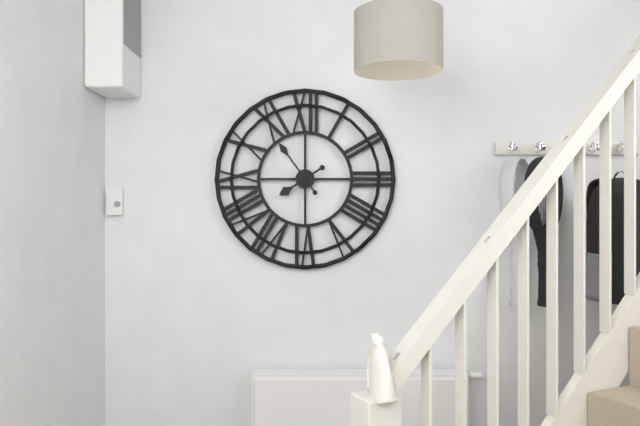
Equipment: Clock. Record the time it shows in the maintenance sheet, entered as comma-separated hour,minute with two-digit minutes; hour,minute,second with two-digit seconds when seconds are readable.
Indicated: 7,54
